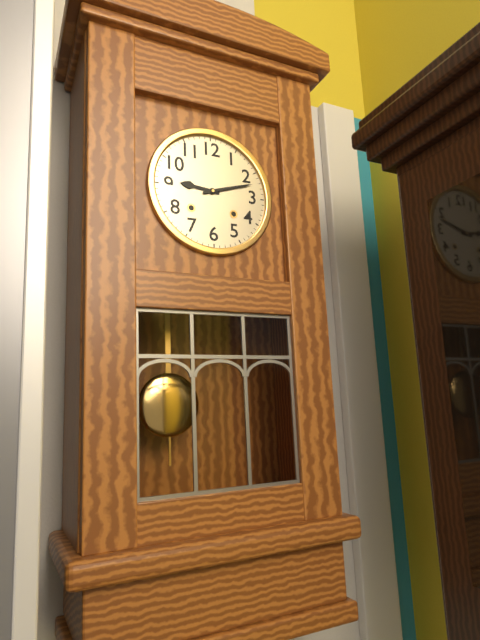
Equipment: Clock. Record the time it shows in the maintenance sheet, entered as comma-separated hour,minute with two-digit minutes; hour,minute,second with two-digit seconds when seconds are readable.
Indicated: 9,12
